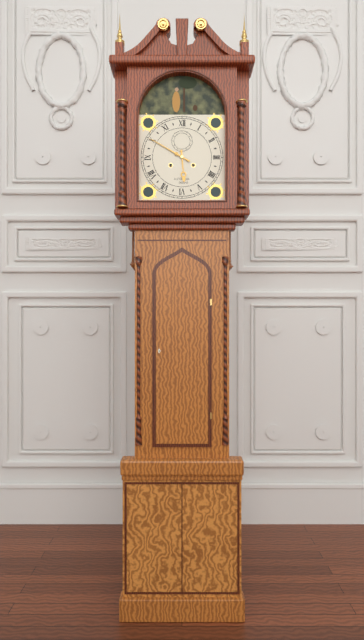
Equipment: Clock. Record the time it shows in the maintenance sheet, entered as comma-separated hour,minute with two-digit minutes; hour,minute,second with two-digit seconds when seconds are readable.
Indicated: 5,50
